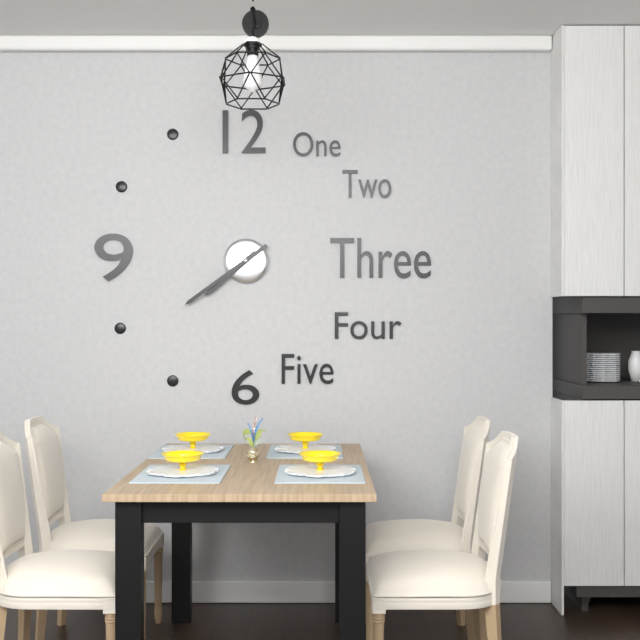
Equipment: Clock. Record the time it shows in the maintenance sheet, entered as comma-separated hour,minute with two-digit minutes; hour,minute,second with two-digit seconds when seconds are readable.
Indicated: 7,39
